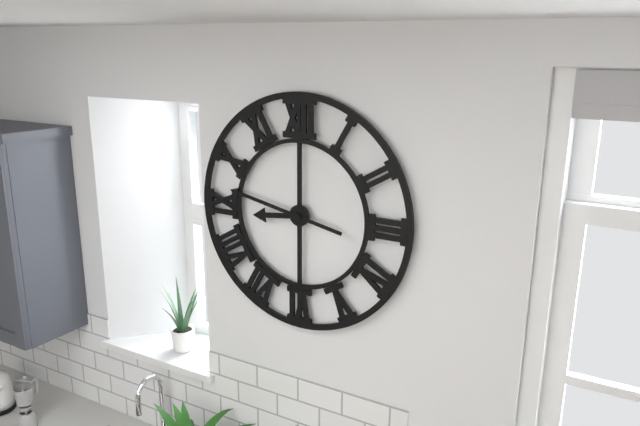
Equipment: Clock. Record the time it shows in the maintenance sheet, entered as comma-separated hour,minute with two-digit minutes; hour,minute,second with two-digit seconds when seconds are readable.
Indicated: 8,47
